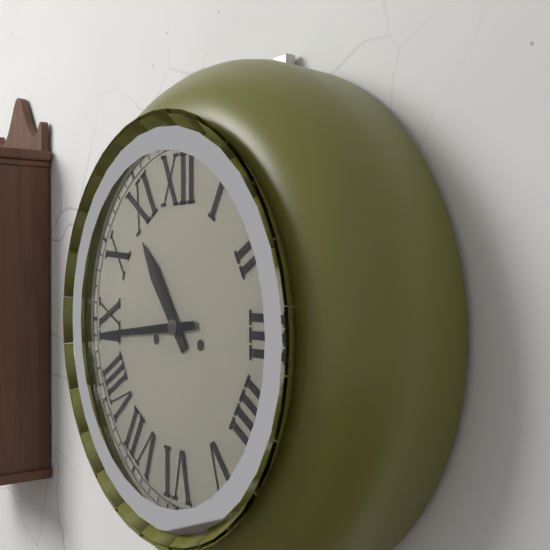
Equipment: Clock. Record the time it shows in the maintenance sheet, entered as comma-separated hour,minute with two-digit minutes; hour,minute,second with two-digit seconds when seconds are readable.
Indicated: 10,44
